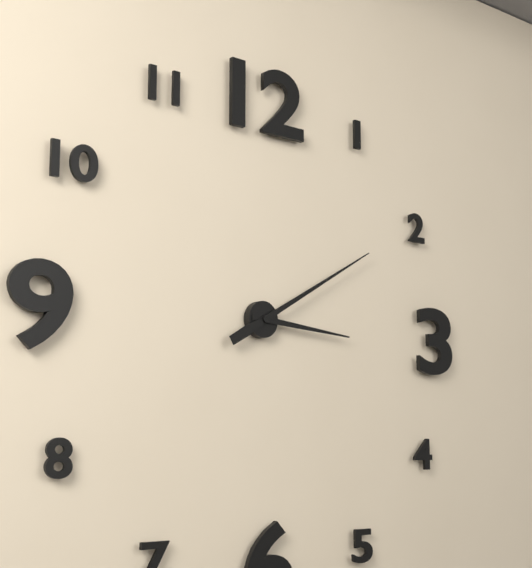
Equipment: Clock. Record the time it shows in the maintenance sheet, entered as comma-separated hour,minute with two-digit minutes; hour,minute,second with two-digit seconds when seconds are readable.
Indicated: 3,10
